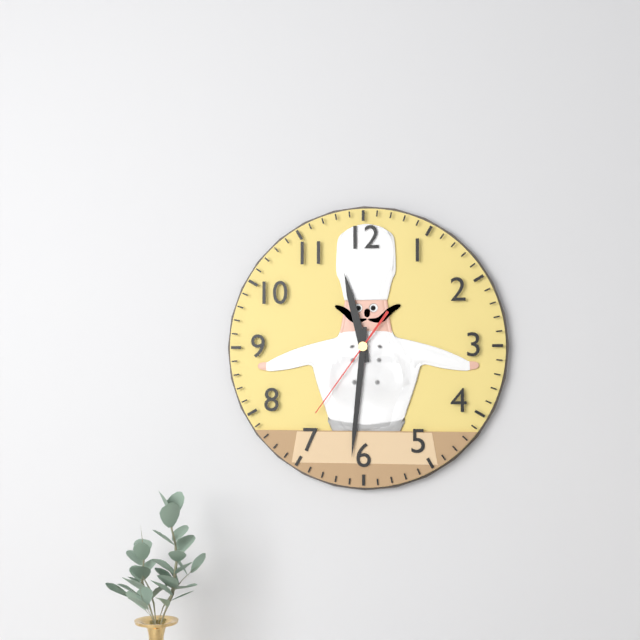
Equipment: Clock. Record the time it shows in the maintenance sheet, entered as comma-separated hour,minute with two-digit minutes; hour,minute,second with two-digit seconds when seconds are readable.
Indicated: 11,31,36
